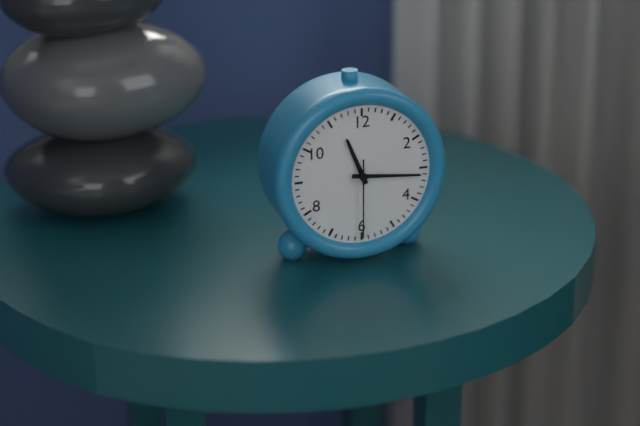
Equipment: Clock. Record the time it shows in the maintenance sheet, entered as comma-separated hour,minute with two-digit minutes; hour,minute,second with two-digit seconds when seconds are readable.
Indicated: 11,16,30
